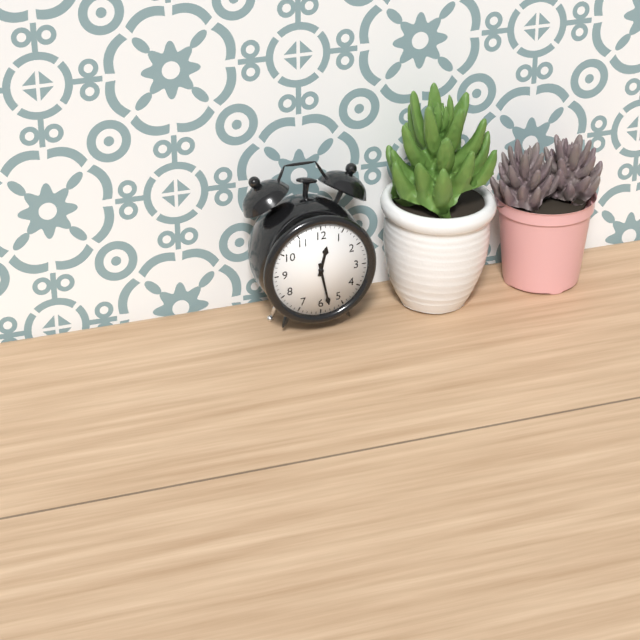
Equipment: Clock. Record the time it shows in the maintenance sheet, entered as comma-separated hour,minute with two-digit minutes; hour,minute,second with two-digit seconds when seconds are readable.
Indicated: 12,28
